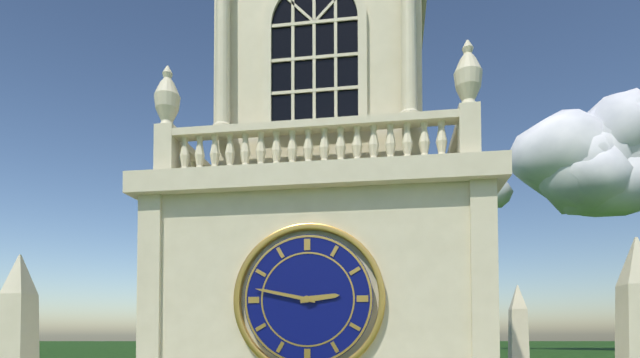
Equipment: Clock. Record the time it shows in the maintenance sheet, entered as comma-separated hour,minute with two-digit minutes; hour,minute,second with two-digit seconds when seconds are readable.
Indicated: 2,47
